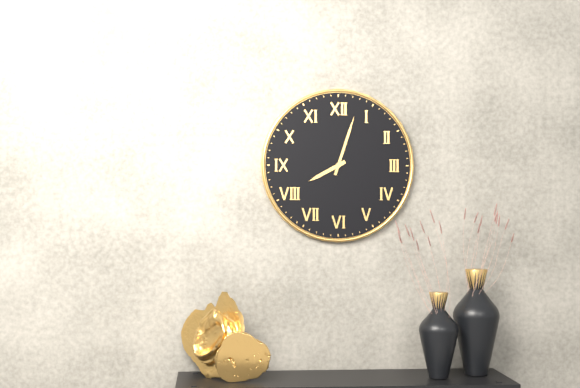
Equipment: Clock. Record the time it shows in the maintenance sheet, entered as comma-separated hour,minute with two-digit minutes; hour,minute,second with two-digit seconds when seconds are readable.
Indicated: 8,03
